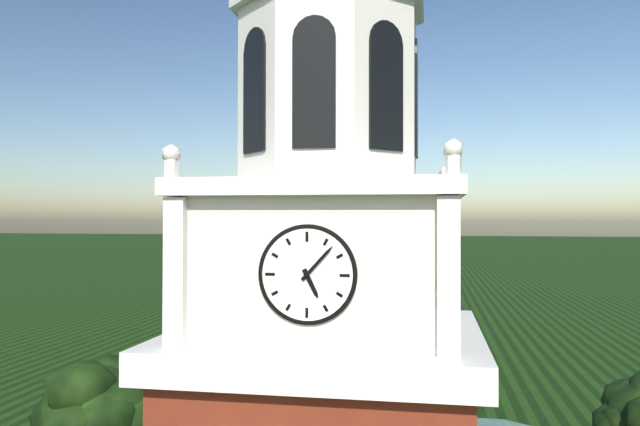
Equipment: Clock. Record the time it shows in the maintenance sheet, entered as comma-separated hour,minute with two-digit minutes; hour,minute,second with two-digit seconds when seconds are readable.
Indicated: 5,07
